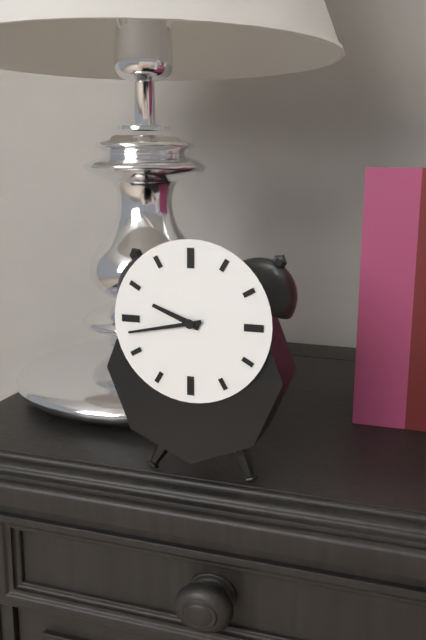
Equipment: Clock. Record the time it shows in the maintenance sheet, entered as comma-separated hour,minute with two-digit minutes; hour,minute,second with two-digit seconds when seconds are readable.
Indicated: 9,43
